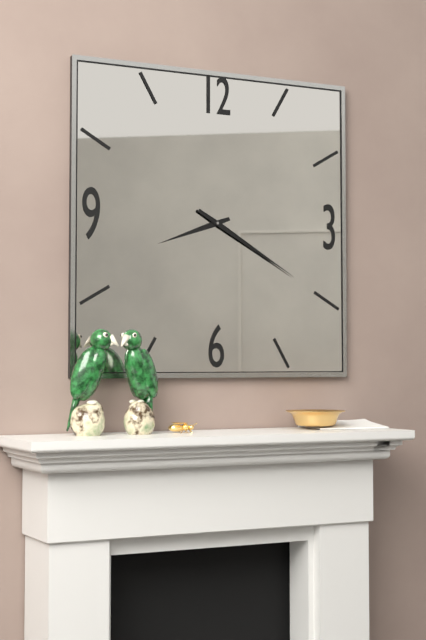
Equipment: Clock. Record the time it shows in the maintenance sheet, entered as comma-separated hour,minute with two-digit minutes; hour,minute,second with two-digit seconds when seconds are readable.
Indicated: 8,20
